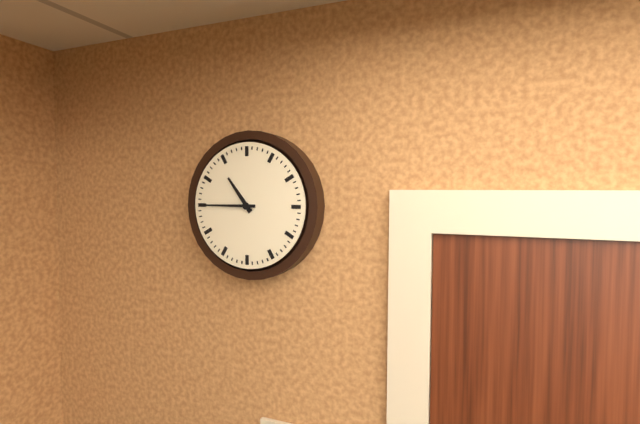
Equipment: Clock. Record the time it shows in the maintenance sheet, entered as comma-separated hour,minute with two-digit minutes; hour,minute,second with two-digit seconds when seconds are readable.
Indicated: 10,45
